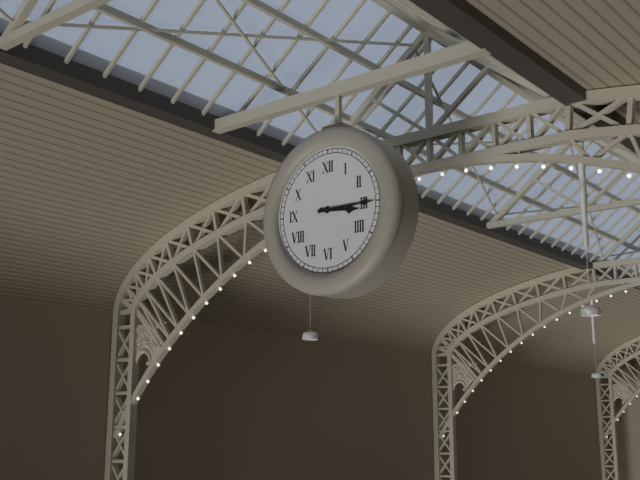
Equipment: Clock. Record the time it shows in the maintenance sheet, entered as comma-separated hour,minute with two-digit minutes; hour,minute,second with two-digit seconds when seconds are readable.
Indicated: 3,15
